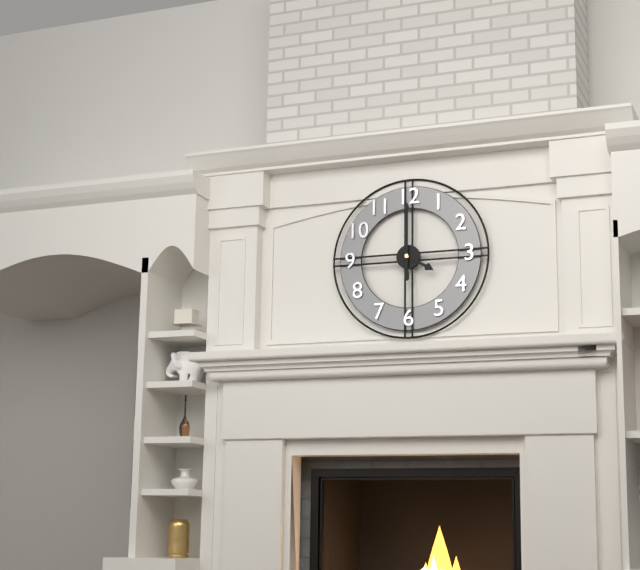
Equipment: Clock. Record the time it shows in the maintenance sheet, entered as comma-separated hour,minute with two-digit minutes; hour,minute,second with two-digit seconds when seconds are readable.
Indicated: 4,00
